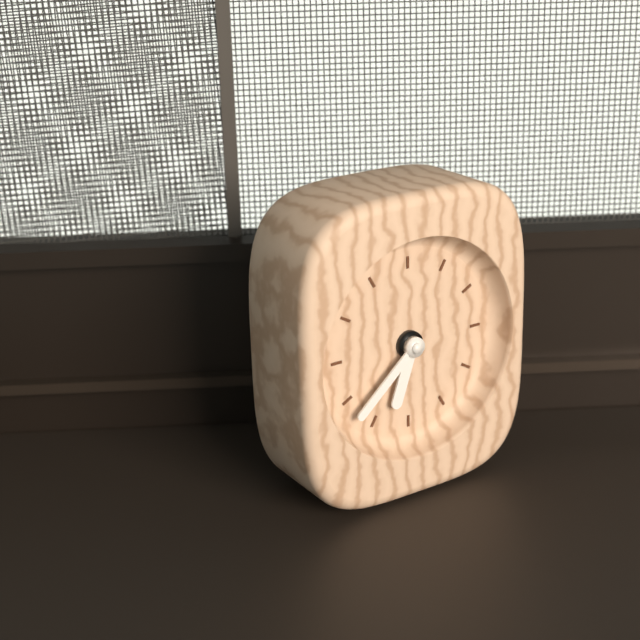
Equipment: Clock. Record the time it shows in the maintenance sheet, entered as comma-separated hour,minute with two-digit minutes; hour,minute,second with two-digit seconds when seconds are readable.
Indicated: 6,38
